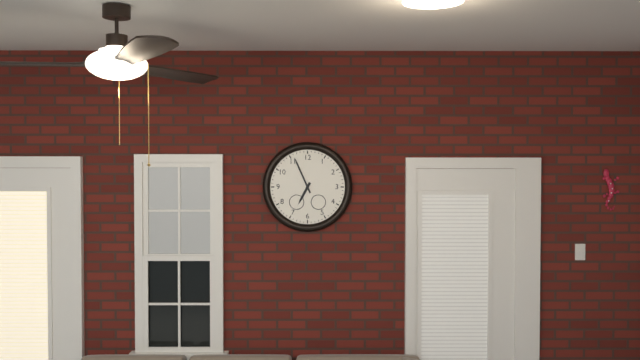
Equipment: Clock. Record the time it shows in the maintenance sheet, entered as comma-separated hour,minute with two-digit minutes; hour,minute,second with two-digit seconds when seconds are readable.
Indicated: 6,56
